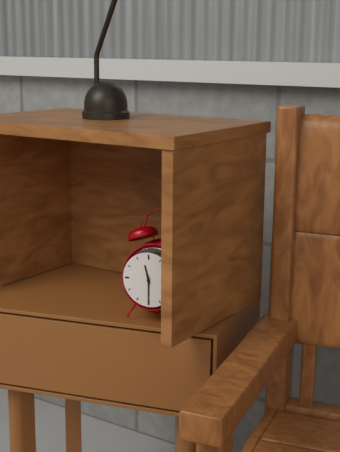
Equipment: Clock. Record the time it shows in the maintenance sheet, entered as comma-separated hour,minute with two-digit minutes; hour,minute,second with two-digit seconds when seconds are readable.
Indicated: 11,30
